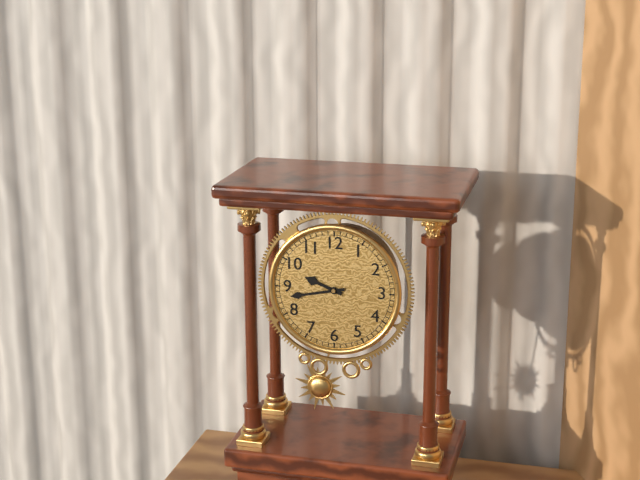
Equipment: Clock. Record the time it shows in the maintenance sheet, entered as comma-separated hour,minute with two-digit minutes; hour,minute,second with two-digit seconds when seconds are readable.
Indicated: 9,43
